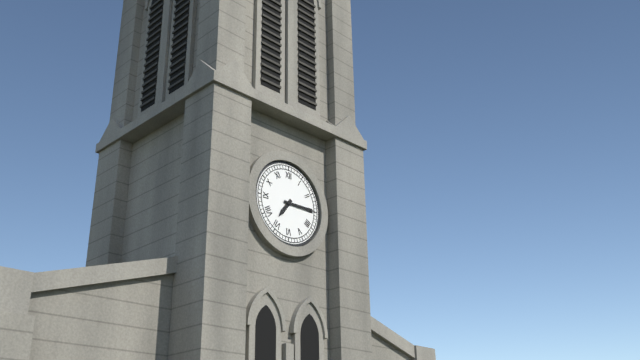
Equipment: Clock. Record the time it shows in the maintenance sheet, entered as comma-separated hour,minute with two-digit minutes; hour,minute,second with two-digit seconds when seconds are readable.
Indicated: 7,15
